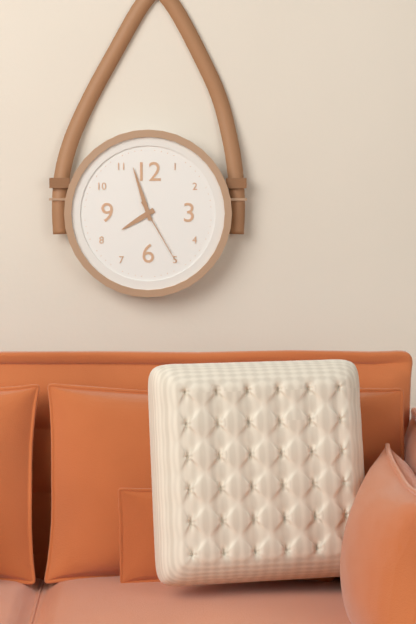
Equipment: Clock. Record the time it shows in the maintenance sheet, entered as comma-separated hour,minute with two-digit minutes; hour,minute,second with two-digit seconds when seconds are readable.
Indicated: 7,57,25
